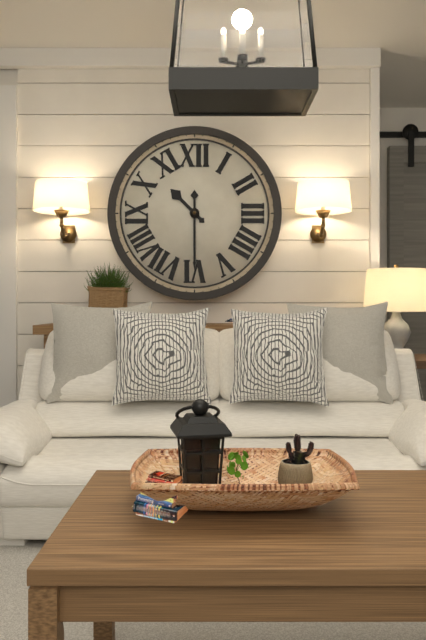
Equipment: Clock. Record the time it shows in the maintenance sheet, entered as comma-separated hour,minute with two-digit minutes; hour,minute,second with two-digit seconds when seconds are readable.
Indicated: 10,30
